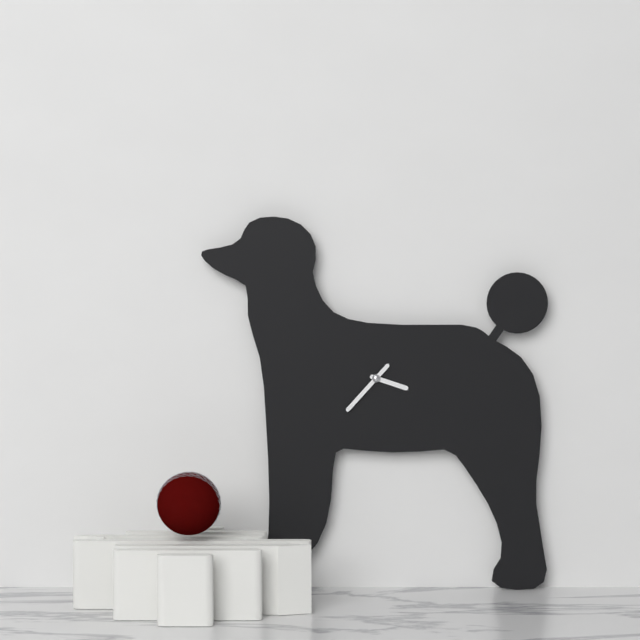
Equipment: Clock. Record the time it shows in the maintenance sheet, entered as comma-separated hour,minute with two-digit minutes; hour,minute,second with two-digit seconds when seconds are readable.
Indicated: 3,37
